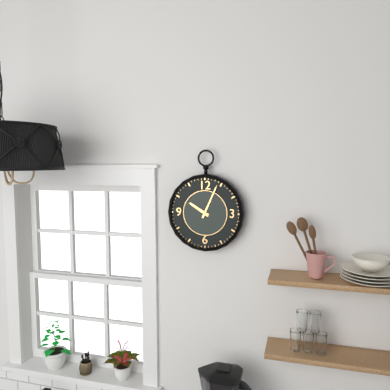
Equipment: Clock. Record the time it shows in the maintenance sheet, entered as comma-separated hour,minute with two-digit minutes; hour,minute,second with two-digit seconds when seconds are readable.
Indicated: 10,04
